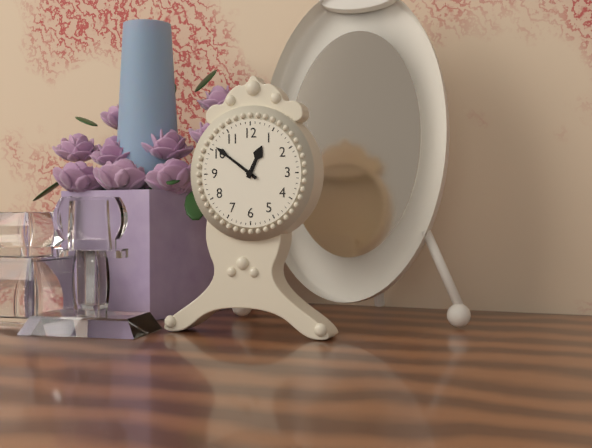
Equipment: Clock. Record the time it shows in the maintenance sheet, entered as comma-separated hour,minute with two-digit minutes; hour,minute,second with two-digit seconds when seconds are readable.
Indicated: 12,51
